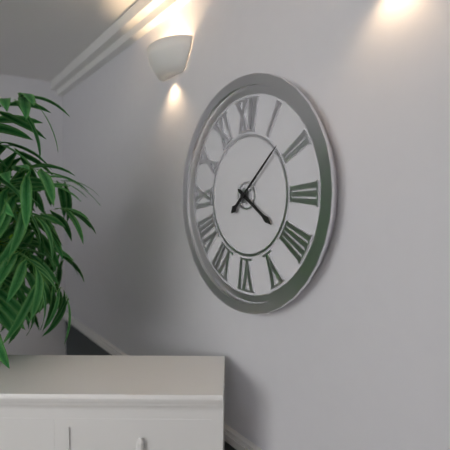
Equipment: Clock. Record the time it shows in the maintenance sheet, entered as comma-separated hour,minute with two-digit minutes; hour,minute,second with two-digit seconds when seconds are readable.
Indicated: 4,08
